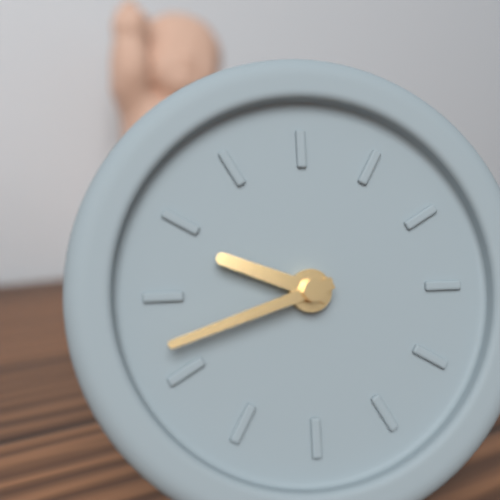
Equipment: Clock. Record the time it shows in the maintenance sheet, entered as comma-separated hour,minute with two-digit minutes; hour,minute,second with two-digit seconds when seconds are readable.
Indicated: 9,42
